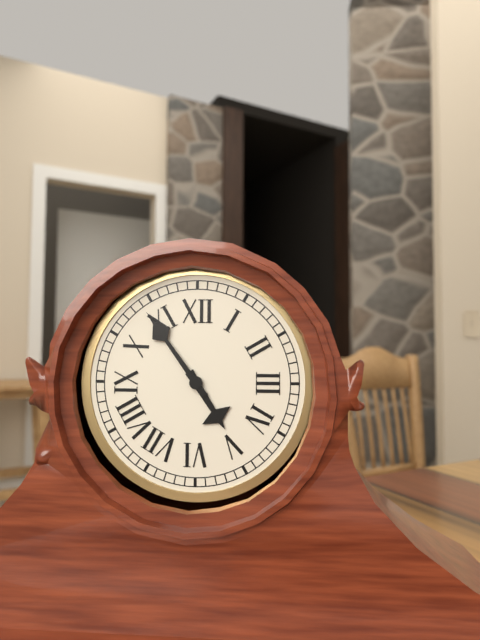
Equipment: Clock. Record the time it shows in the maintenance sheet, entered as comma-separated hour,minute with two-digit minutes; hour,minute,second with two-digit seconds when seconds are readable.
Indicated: 4,54
